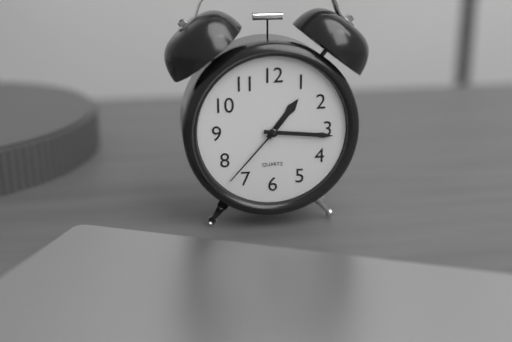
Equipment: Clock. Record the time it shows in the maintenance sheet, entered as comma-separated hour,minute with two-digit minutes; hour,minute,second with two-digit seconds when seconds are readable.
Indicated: 1,16,37
